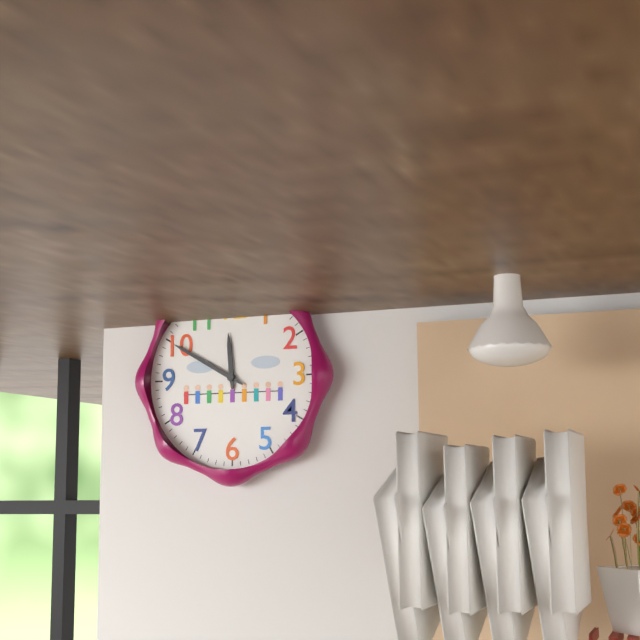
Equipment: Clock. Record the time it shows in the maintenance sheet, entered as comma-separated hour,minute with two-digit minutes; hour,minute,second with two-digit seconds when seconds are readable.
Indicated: 11,50
